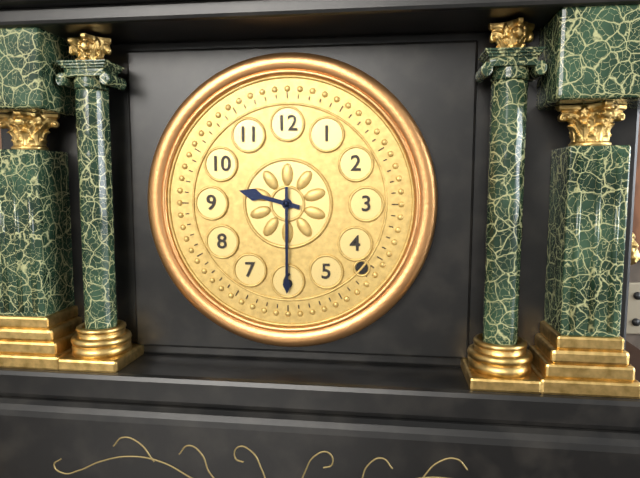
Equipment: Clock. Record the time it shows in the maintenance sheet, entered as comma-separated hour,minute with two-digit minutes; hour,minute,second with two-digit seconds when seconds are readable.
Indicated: 9,30
